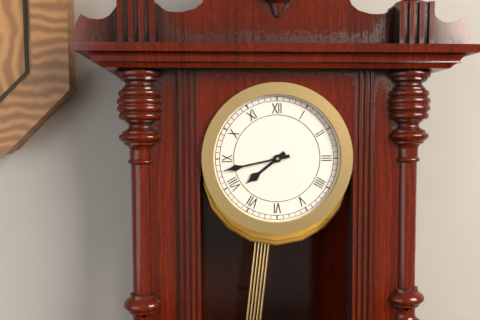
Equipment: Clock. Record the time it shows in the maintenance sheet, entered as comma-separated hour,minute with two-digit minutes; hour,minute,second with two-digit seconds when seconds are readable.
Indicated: 7,43
